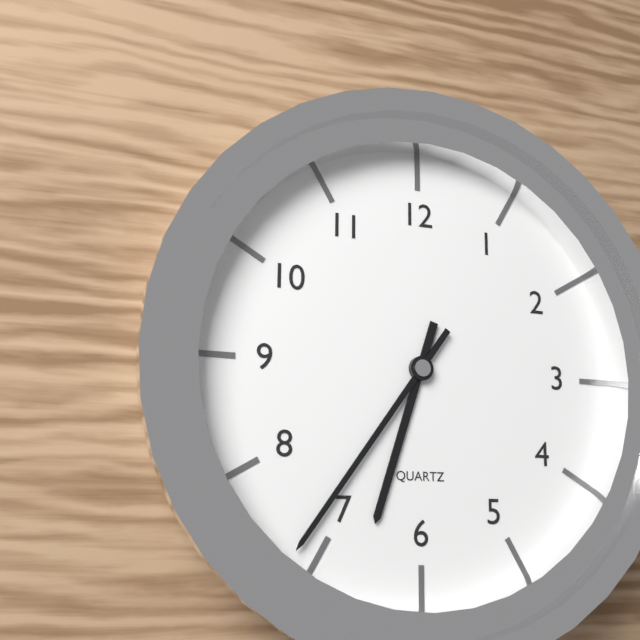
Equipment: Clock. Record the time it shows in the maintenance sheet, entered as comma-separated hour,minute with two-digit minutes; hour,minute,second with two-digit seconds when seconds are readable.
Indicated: 6,36
